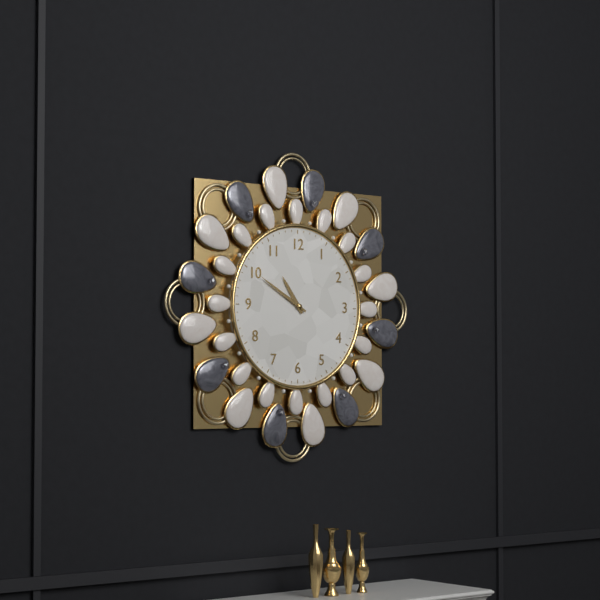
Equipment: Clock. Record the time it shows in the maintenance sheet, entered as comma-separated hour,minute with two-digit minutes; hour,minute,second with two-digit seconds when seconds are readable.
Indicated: 10,50
